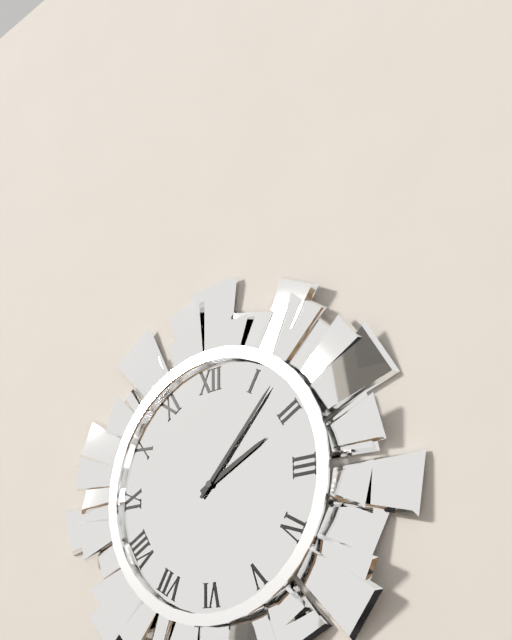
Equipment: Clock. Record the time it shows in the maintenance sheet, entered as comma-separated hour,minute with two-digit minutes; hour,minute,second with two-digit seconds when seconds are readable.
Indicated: 2,07
